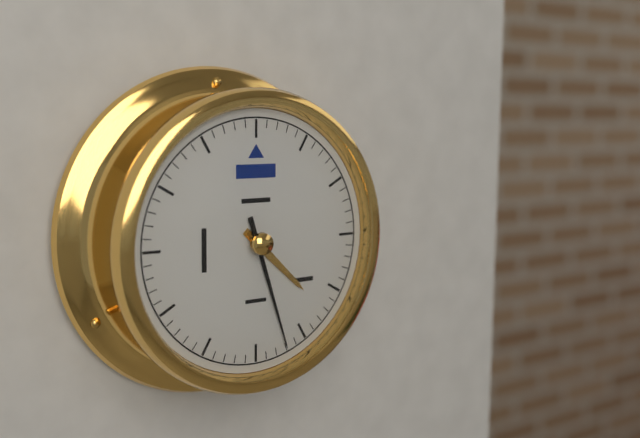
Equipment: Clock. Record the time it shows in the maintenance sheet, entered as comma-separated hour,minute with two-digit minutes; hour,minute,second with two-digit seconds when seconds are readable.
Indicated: 4,27
